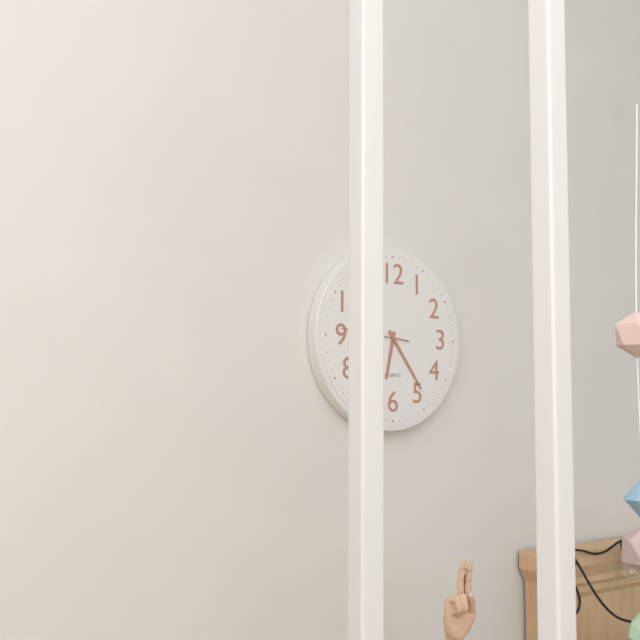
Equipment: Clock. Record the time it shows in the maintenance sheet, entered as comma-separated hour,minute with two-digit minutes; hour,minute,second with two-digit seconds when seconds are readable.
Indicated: 6,24
